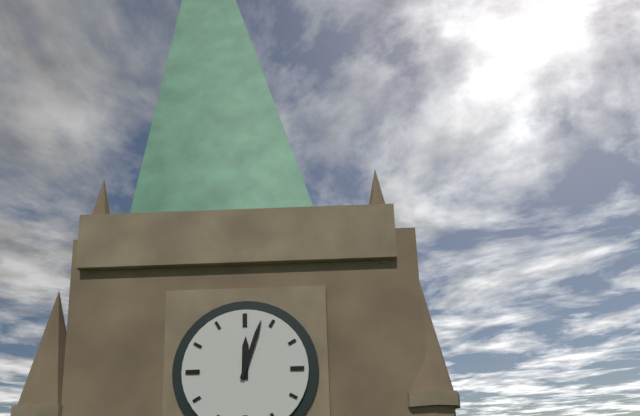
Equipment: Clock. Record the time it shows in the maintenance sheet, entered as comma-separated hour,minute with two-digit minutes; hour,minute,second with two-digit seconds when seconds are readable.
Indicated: 12,03
